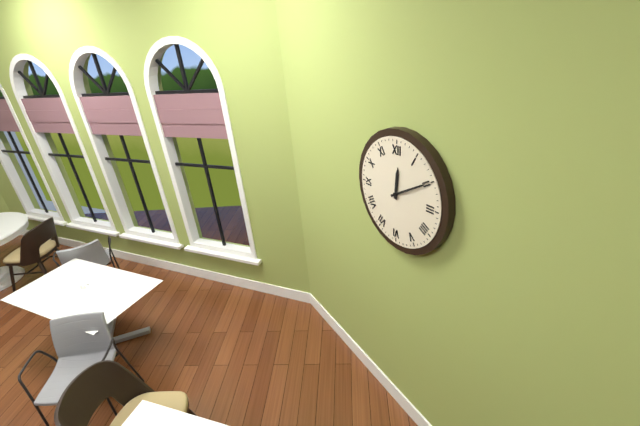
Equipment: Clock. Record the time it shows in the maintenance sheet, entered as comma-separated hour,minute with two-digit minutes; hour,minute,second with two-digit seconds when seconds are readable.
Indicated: 12,10
